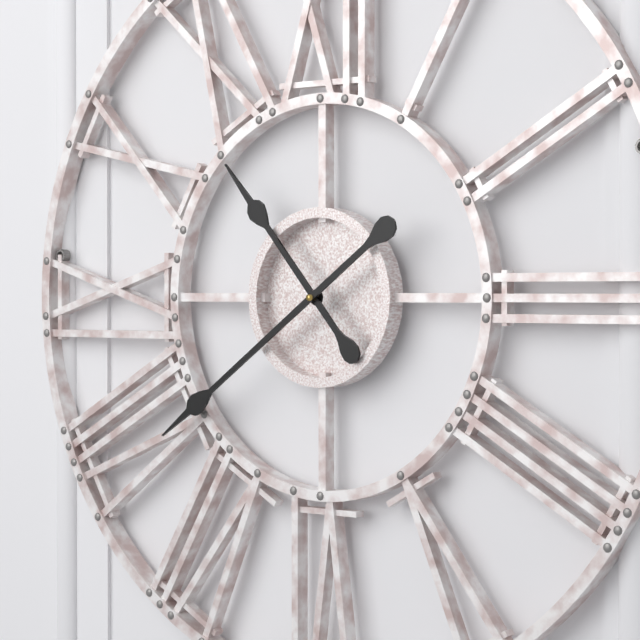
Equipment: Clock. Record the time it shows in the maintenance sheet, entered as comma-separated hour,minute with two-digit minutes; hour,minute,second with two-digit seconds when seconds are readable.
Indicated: 10,39
